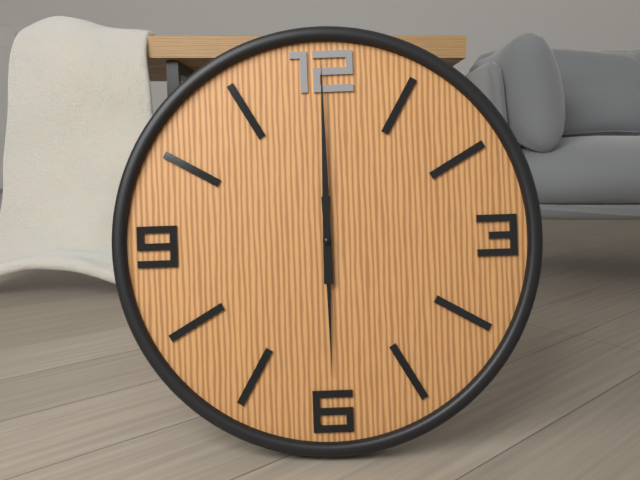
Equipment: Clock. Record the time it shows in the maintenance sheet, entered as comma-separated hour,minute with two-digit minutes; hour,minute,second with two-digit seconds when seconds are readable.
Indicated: 6,00
